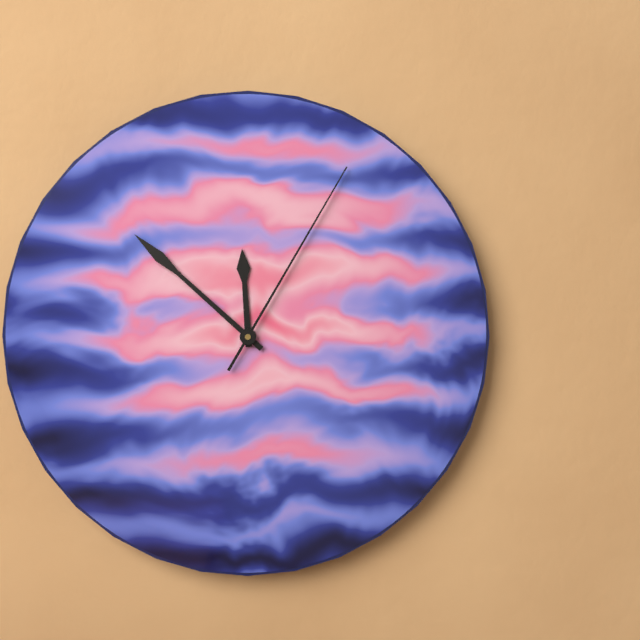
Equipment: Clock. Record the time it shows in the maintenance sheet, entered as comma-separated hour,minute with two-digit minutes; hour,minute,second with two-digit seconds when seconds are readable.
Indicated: 11,52,05
